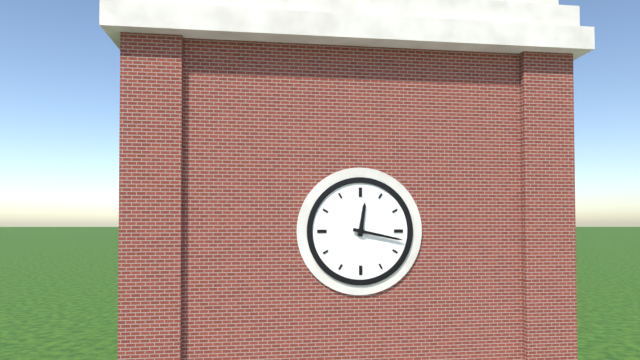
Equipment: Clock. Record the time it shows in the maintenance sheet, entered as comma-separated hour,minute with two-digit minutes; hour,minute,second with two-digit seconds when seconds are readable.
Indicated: 12,17
